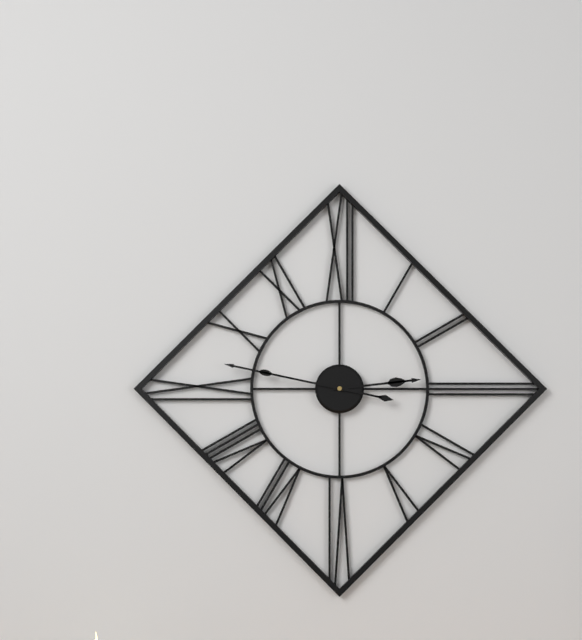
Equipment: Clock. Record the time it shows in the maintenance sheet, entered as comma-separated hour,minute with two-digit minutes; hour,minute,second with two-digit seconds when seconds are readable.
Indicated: 2,47
